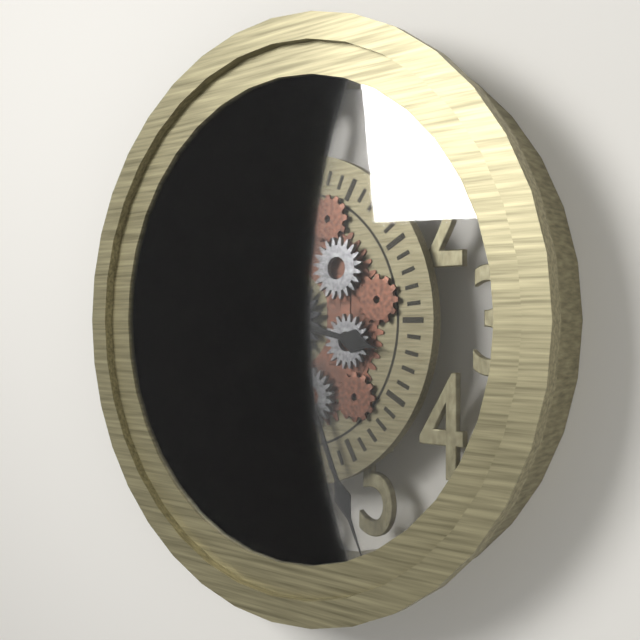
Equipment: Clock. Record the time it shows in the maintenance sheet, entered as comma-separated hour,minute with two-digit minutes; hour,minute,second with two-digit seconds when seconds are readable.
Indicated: 3,26
